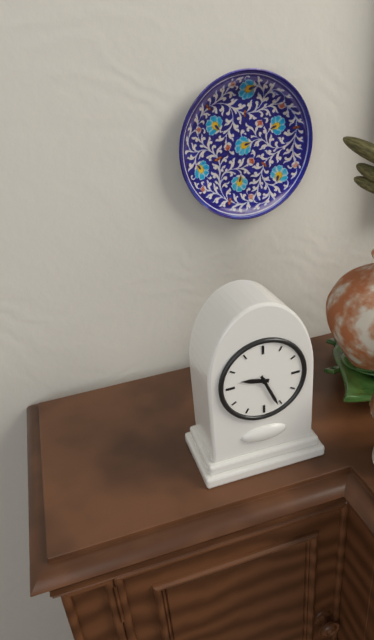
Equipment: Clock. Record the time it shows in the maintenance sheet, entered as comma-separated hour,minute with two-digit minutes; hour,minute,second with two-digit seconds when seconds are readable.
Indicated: 9,26
